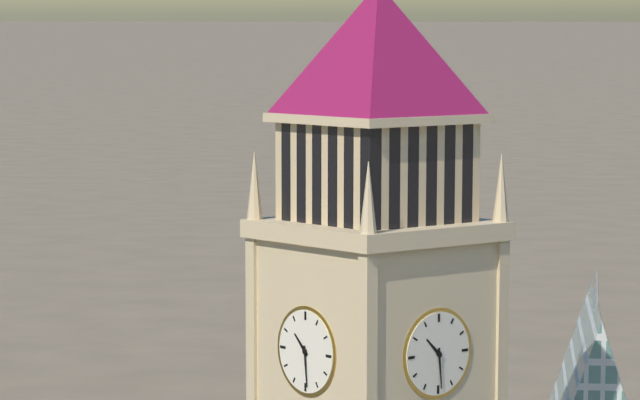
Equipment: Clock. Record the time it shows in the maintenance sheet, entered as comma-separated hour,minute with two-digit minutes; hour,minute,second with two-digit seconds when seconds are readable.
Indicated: 10,29
